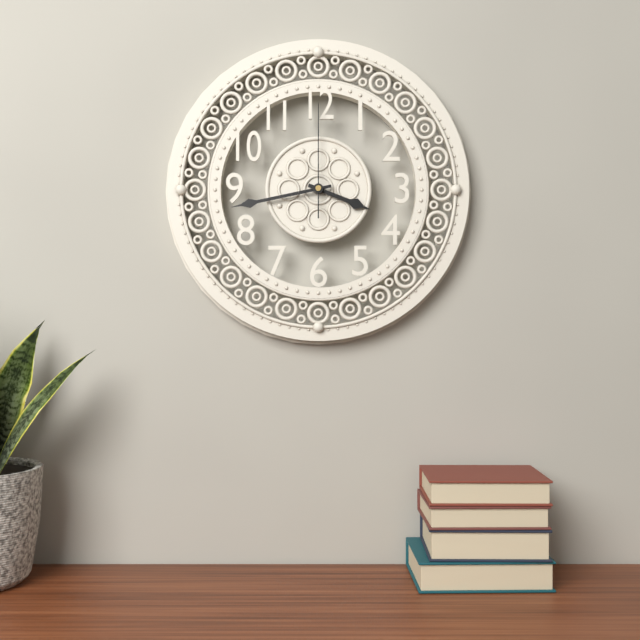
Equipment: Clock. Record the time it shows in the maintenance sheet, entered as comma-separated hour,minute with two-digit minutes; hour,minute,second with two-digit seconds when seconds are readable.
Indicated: 3,43,00
